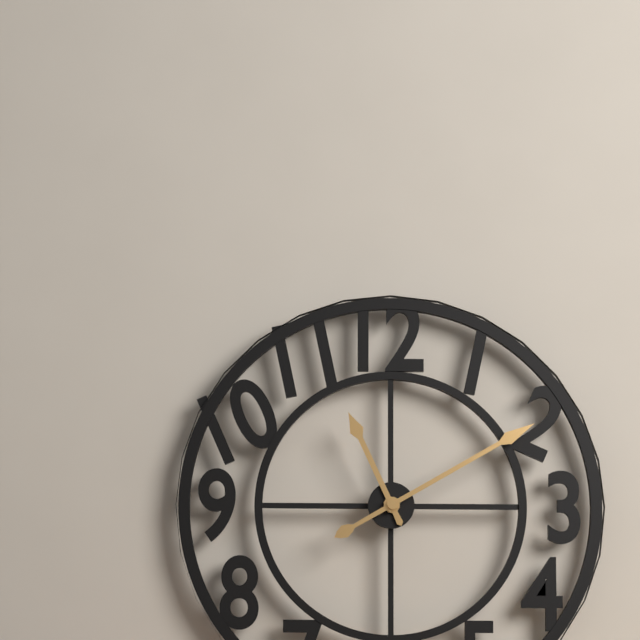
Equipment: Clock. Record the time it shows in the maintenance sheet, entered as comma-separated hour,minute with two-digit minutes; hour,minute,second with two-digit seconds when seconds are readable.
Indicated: 11,10
